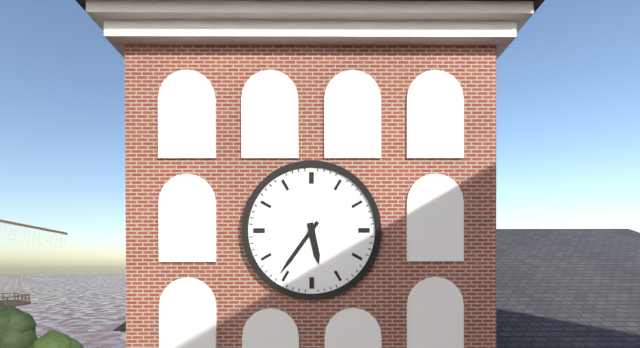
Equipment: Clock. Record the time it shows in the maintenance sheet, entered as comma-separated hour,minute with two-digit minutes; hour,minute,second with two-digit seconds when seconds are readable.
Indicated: 5,36
